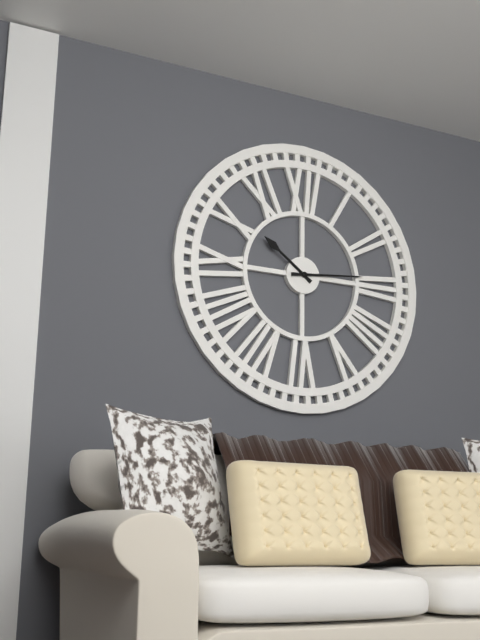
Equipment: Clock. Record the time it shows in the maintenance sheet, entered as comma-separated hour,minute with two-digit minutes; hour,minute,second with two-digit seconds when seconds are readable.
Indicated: 10,14
